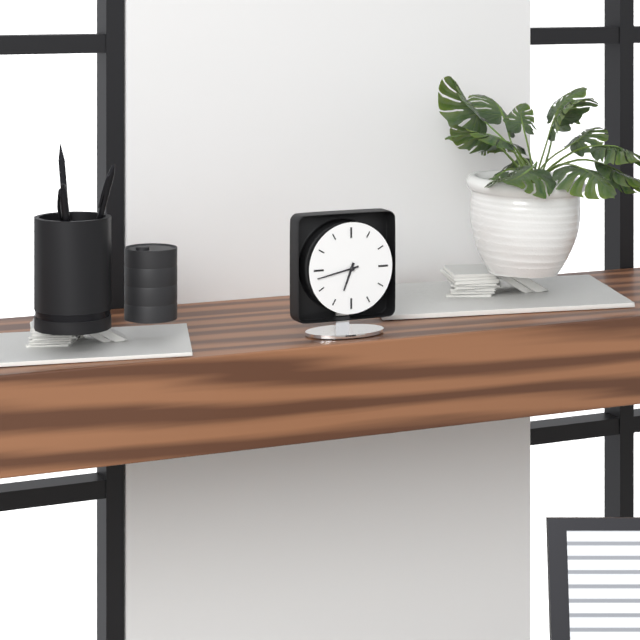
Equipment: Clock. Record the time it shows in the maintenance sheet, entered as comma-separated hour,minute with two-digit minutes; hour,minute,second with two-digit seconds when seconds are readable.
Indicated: 6,43
